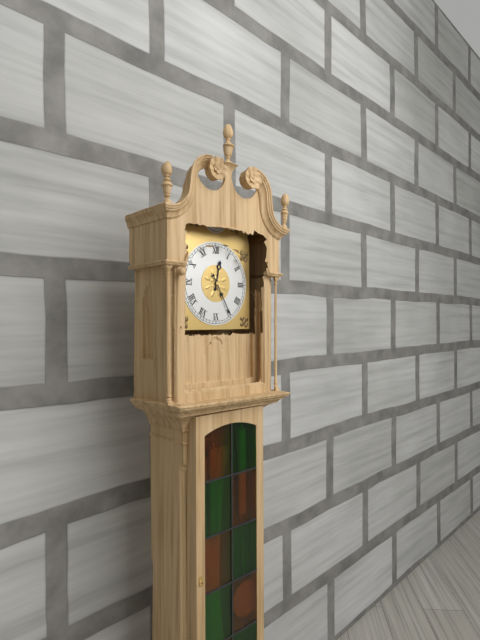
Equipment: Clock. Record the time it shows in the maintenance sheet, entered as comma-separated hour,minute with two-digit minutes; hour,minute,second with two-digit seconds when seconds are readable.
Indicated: 12,25
